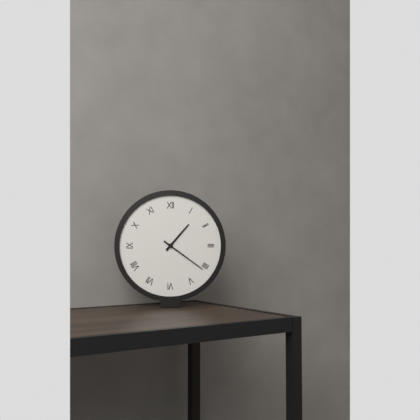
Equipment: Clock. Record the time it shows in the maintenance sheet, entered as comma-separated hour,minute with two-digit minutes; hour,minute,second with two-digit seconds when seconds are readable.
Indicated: 1,21
